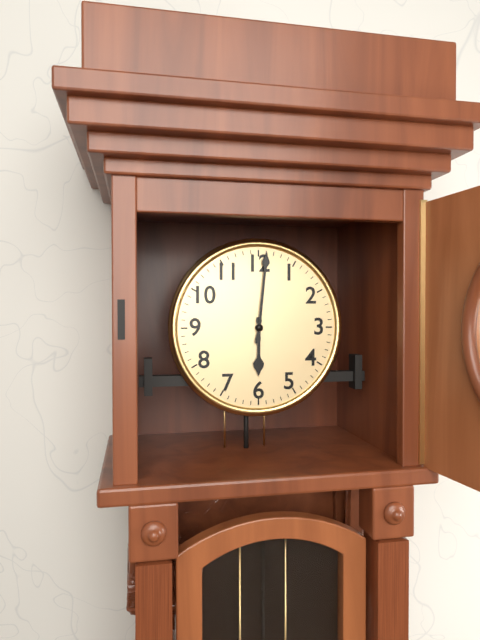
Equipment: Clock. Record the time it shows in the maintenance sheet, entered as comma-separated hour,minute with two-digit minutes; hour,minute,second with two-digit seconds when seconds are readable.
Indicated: 6,01
